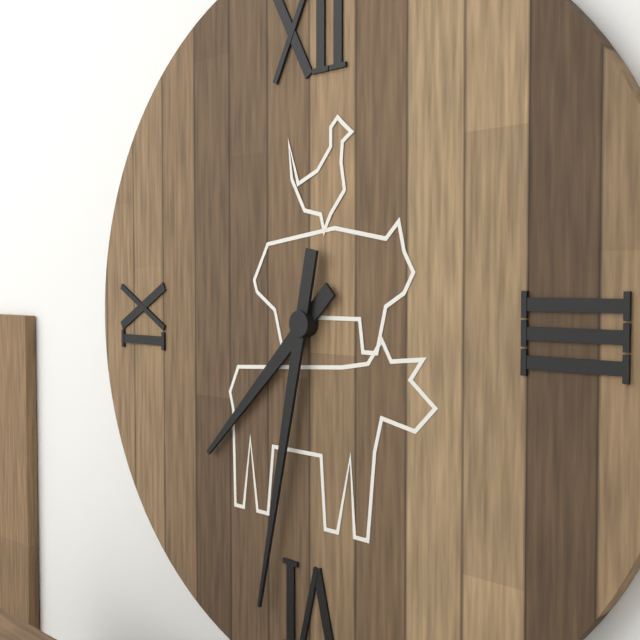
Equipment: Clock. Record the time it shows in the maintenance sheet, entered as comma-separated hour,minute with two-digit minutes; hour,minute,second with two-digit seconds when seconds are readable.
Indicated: 7,32
